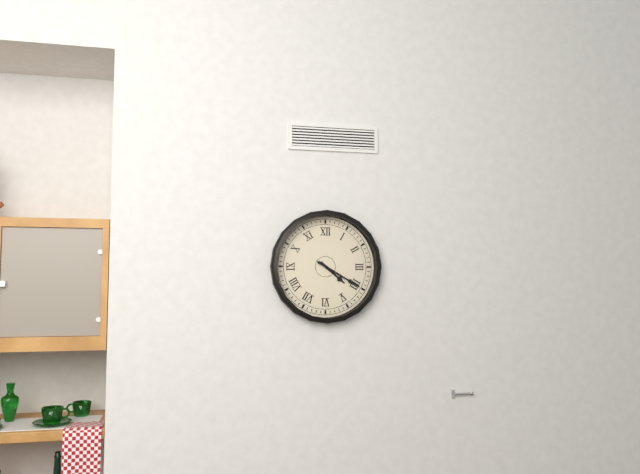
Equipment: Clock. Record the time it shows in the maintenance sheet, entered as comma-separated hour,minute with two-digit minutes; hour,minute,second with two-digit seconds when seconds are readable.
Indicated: 4,20
